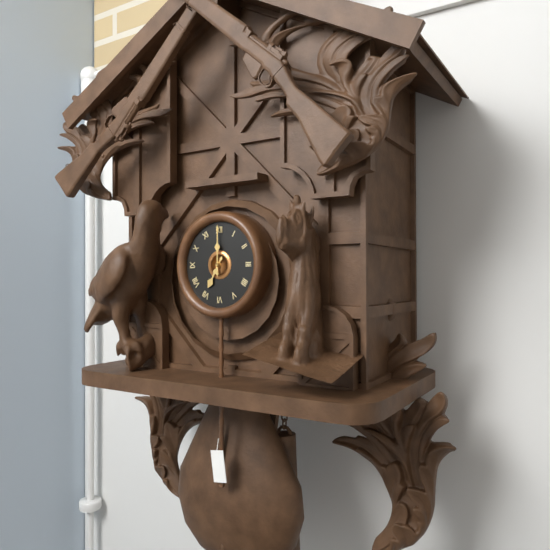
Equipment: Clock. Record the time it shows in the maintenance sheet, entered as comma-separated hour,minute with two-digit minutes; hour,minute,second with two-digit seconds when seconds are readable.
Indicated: 7,00
